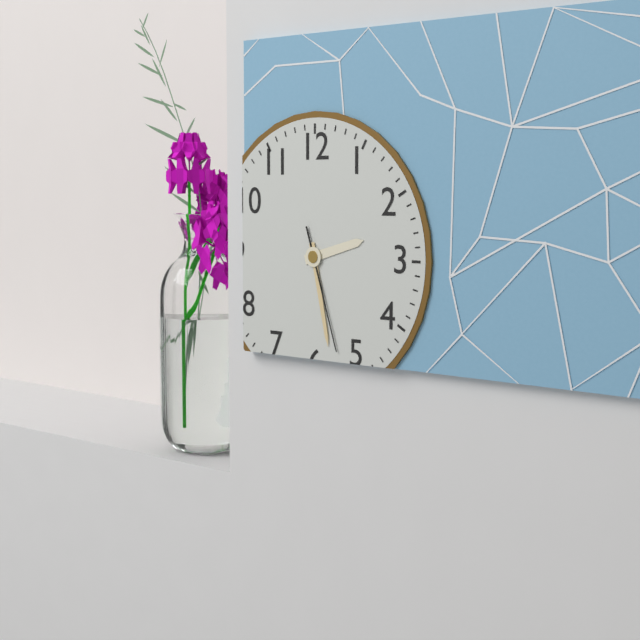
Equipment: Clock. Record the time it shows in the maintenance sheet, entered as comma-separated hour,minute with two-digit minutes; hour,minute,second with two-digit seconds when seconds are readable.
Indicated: 2,28,27
